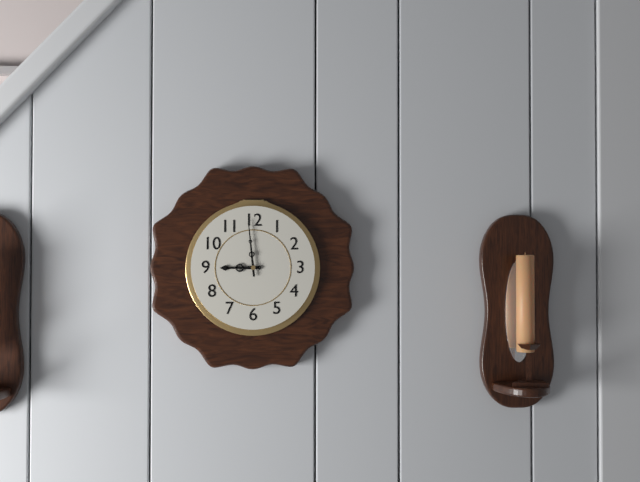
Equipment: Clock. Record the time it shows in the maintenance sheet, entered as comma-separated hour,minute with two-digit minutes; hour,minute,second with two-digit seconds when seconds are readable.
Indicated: 8,59
